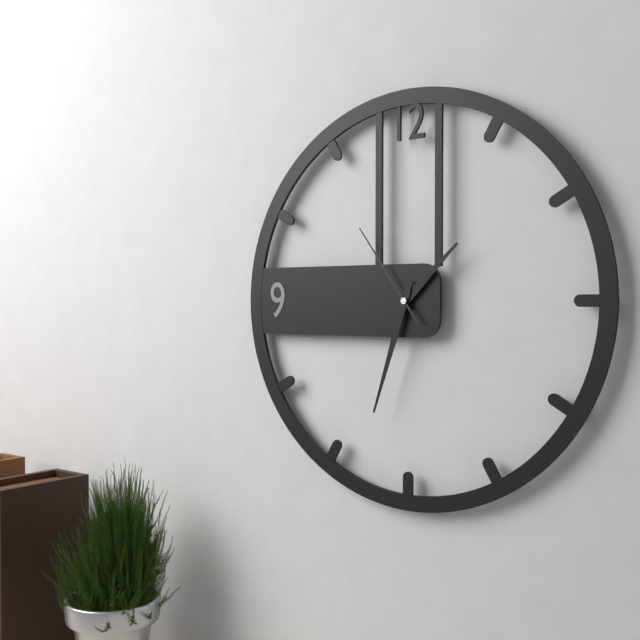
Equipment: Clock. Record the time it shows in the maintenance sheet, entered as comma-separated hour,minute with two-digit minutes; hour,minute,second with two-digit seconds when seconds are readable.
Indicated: 1,33,54
